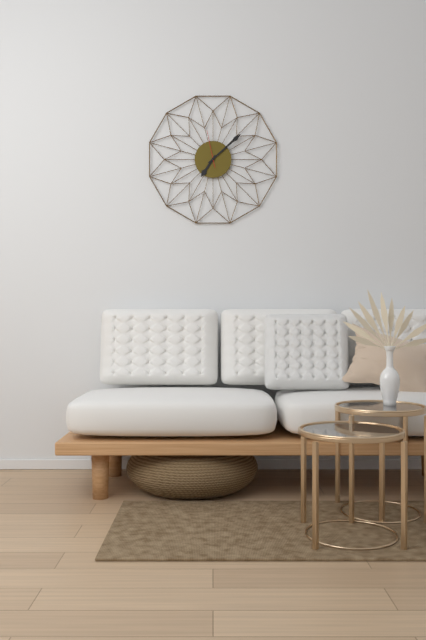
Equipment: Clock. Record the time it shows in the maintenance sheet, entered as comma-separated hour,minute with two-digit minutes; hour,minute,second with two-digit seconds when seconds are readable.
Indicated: 7,08
